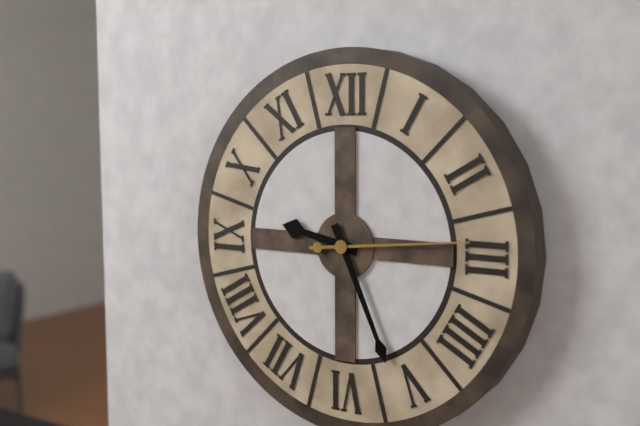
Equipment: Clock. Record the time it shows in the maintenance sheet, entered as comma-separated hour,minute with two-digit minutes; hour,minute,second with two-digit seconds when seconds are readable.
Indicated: 9,26,14
